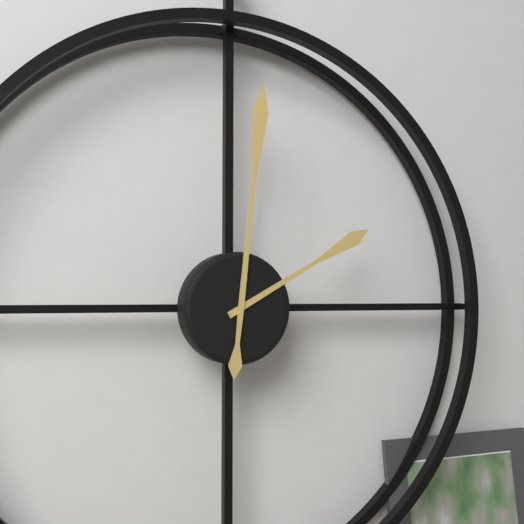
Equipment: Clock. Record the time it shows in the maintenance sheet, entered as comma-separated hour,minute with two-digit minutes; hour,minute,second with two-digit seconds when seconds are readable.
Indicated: 2,01
